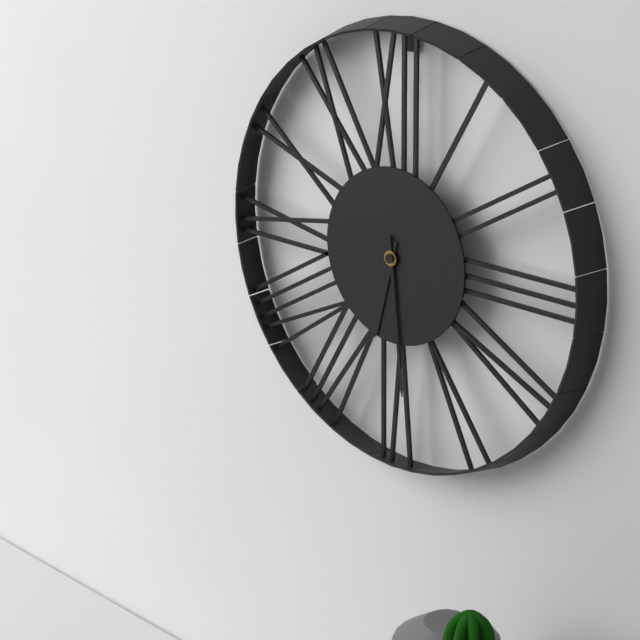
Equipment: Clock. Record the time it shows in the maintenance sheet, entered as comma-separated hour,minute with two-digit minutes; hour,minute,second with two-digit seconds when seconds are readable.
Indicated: 6,29
